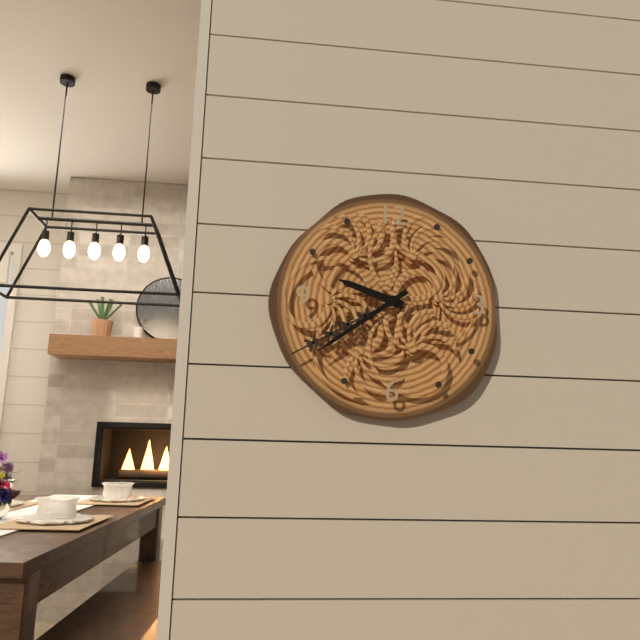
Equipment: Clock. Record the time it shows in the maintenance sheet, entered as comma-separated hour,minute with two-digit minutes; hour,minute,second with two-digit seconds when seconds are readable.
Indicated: 9,39
